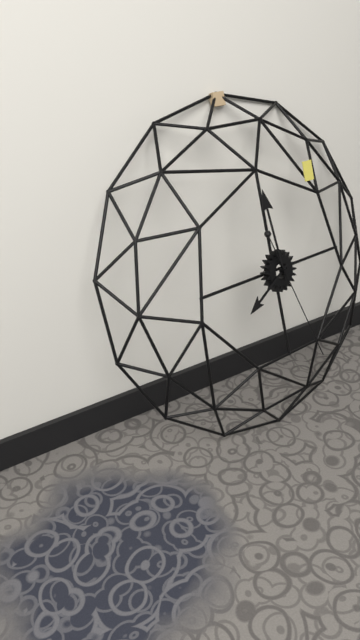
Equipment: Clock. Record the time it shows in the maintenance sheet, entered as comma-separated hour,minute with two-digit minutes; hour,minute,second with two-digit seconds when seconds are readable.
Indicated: 7,59,27
